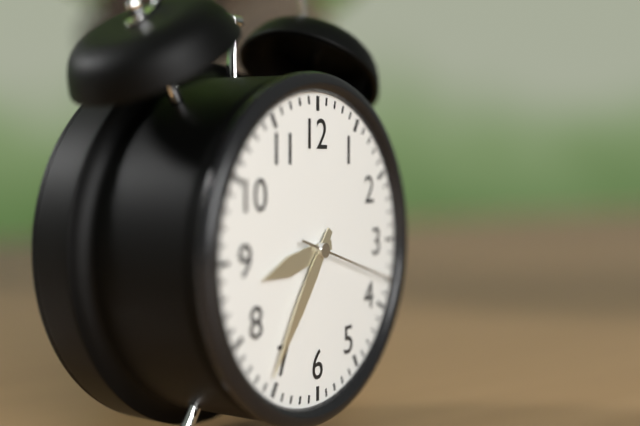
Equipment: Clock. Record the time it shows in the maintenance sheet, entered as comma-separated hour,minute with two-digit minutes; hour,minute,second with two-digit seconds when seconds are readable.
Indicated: 8,36,18
